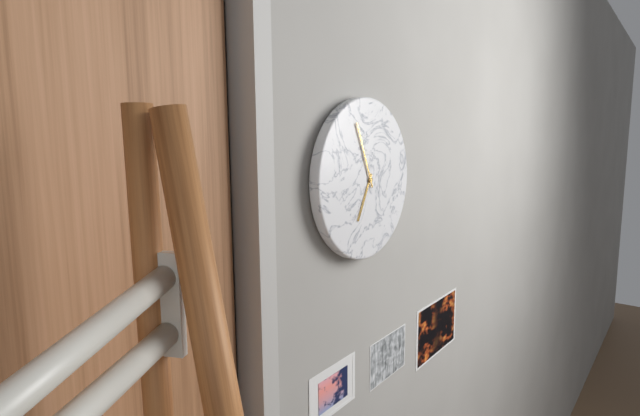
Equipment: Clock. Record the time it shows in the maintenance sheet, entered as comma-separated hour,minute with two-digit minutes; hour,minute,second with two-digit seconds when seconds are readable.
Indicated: 6,56
